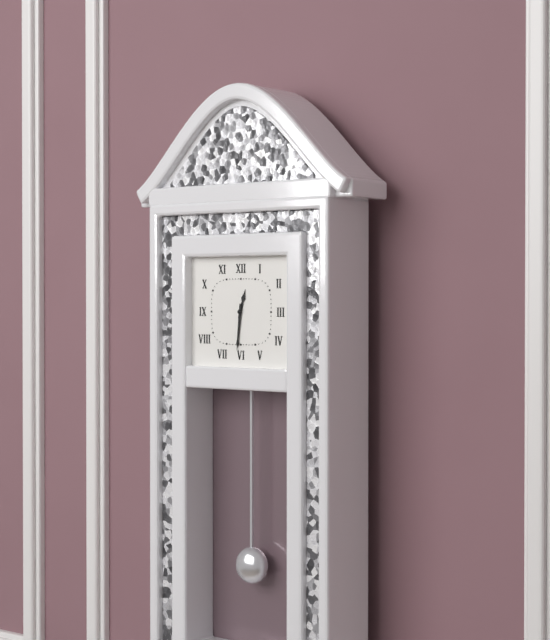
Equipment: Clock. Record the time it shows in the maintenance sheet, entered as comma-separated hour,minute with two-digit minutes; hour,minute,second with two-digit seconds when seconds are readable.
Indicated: 12,31
